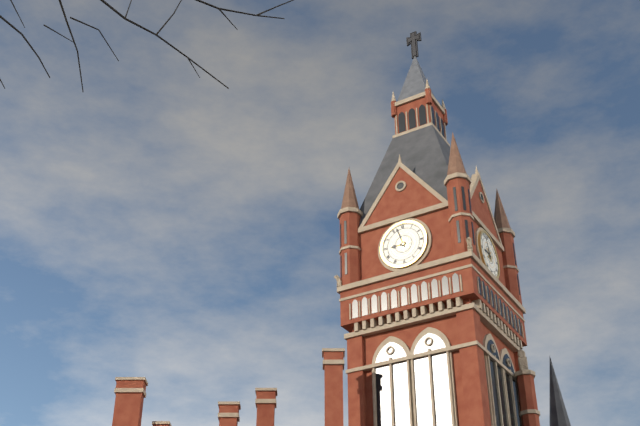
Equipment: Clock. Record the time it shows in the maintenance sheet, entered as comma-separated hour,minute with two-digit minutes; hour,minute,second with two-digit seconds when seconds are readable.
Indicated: 8,57
